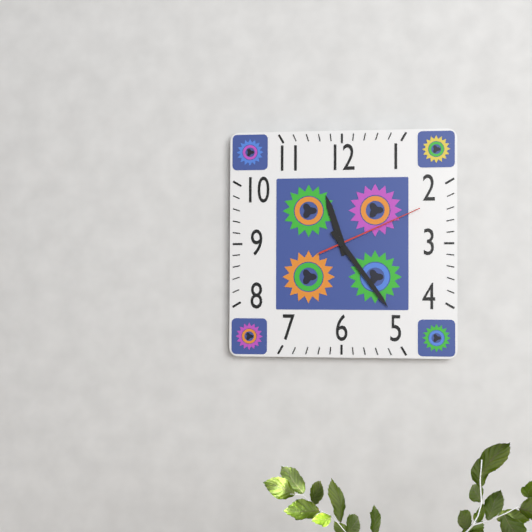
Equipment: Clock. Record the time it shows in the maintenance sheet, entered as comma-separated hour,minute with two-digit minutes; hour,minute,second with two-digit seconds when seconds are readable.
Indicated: 11,24,11
